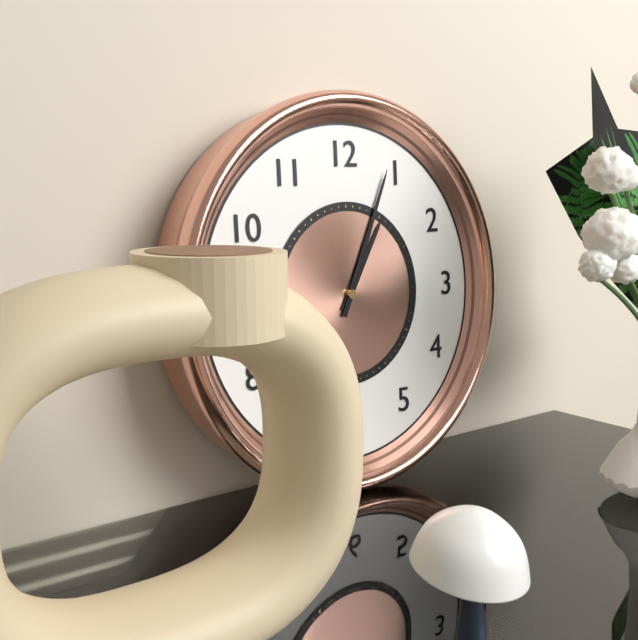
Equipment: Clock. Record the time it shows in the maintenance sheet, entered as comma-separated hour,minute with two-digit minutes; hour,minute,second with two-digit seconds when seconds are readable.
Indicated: 1,04
